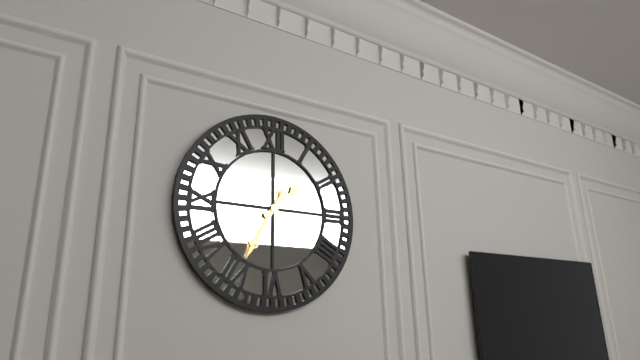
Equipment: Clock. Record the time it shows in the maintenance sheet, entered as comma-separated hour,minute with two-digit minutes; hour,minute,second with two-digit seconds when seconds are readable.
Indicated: 1,35
